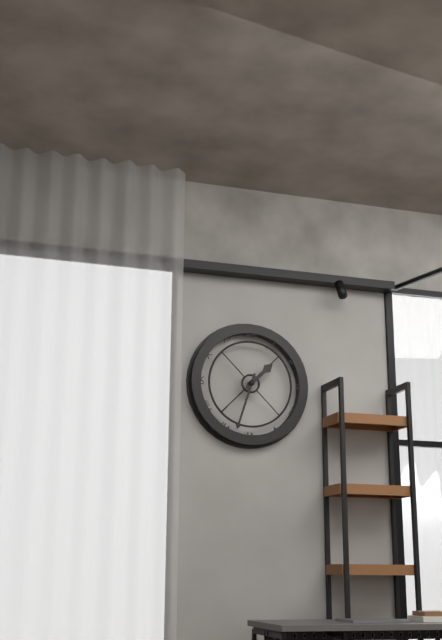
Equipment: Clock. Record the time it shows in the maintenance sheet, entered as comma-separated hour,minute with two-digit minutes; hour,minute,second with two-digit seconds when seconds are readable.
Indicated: 1,33
